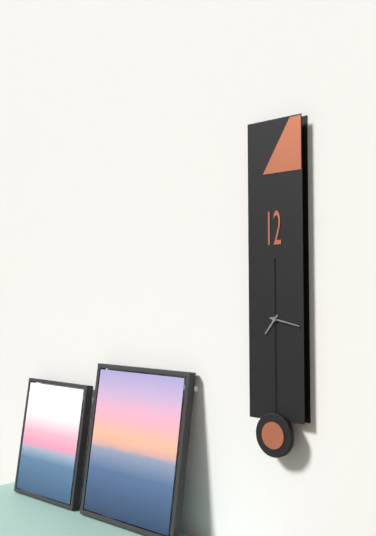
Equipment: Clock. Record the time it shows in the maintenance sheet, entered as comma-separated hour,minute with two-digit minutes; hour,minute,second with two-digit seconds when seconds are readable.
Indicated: 7,17
